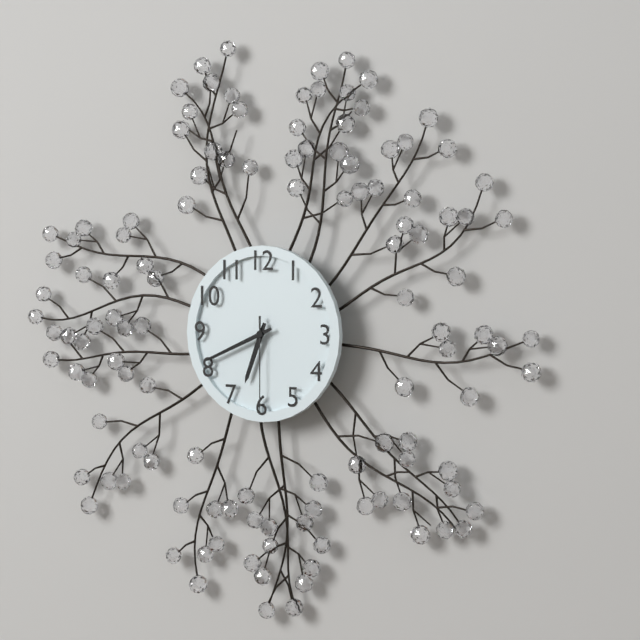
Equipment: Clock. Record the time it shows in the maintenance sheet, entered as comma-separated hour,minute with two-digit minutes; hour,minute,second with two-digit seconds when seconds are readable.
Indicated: 6,41,30
